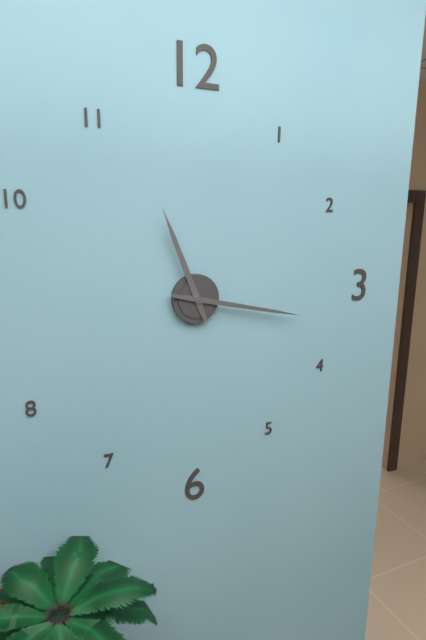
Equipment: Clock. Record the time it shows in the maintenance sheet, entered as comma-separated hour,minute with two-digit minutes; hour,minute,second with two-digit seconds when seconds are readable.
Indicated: 11,17
